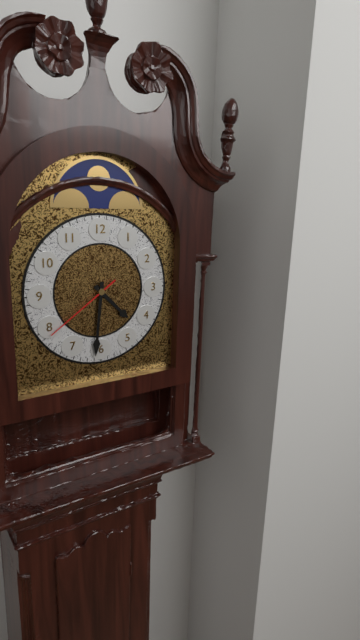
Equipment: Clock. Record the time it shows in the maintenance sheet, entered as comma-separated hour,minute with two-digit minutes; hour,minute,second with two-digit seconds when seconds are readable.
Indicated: 4,31,39
